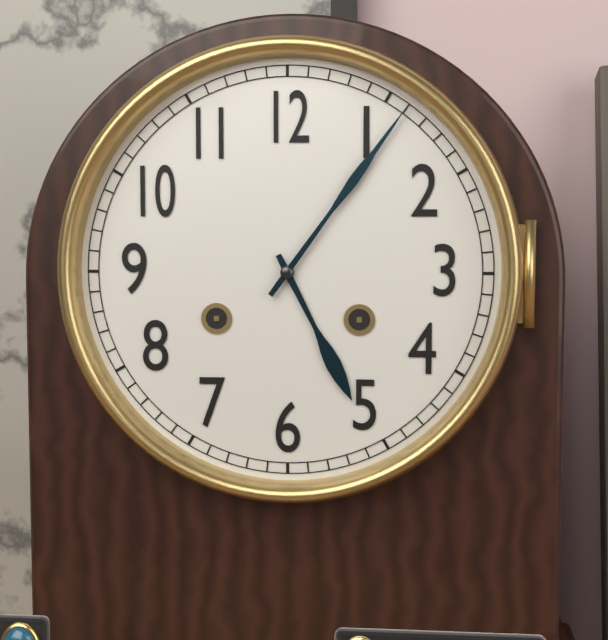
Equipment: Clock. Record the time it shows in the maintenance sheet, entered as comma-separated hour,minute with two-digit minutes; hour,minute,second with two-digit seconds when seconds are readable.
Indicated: 5,06
